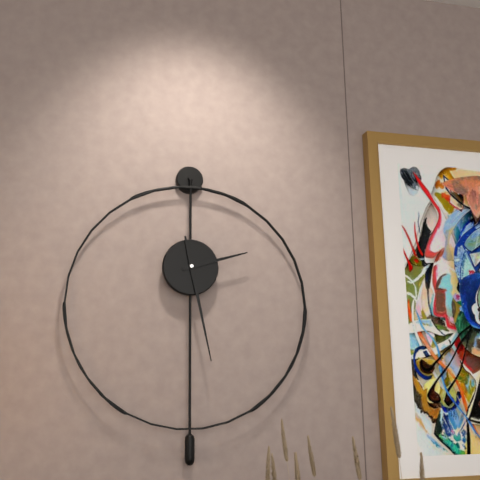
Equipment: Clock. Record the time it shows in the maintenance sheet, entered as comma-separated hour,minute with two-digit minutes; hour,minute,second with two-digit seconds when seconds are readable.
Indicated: 2,28
